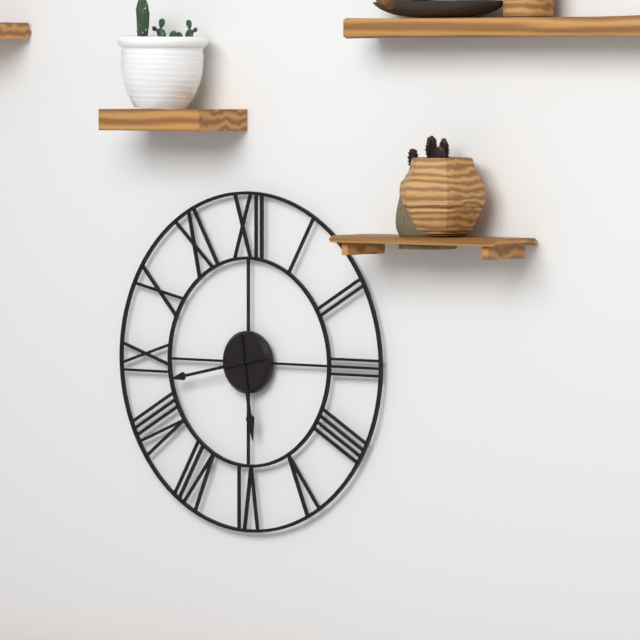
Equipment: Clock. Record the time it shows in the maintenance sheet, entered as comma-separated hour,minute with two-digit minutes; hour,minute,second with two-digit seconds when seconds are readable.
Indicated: 5,43
